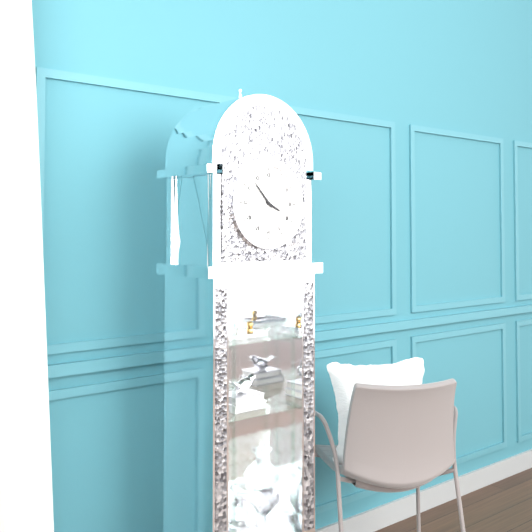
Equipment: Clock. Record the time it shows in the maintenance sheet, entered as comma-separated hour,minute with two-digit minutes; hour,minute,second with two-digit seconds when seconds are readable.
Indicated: 3,53
